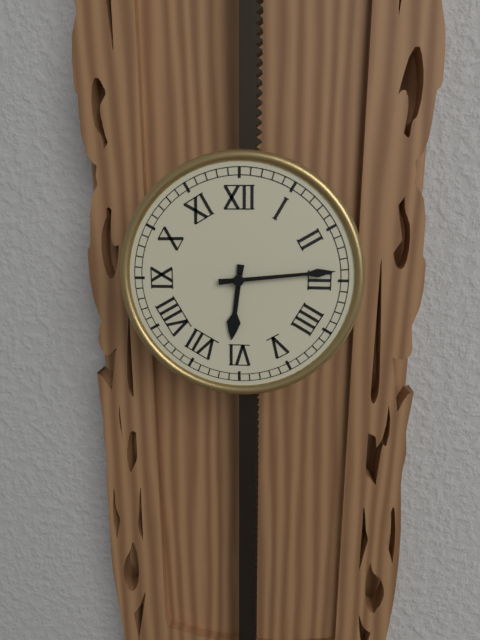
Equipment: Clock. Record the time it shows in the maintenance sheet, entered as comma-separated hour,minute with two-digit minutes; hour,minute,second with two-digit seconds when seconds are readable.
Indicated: 6,14
